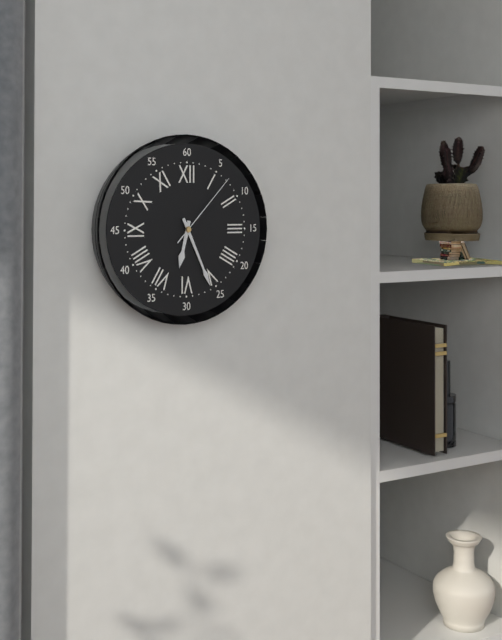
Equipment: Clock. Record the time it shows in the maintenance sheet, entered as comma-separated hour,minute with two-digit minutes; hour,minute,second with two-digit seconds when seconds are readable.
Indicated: 6,26,07
